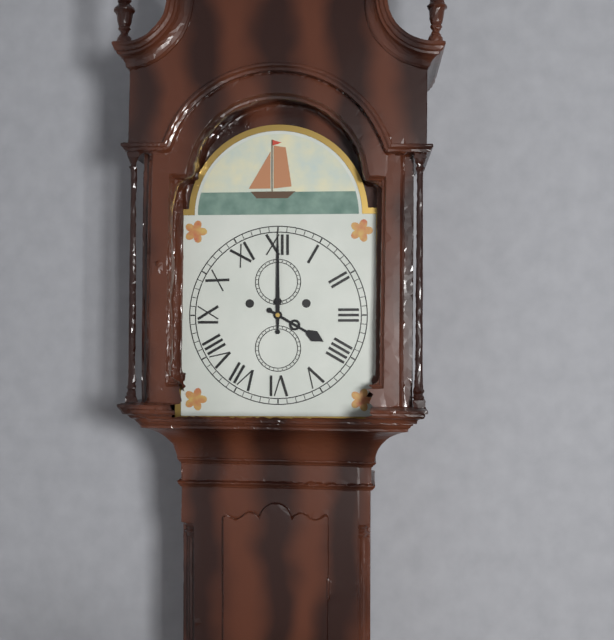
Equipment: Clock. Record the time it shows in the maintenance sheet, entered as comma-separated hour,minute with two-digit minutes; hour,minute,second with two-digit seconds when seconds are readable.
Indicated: 4,00
